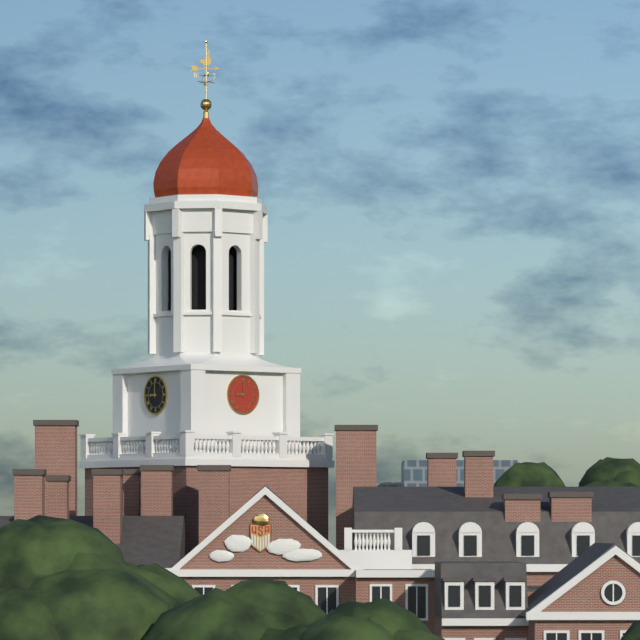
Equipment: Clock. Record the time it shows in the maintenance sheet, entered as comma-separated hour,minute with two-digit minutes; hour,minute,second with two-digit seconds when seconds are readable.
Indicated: 9,00
